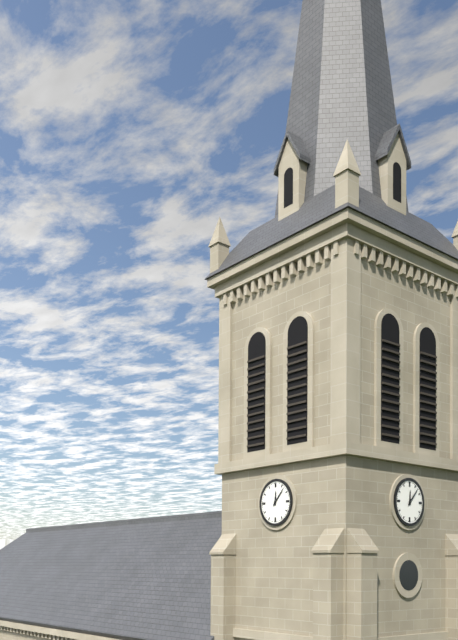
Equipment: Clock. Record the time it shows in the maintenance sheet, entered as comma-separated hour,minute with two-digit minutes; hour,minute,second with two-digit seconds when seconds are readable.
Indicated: 12,07
